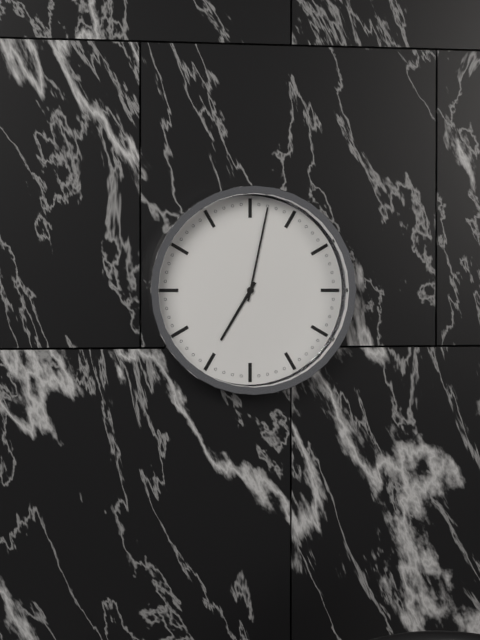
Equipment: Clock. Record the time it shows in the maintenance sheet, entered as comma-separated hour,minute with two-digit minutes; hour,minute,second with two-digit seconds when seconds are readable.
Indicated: 7,02
